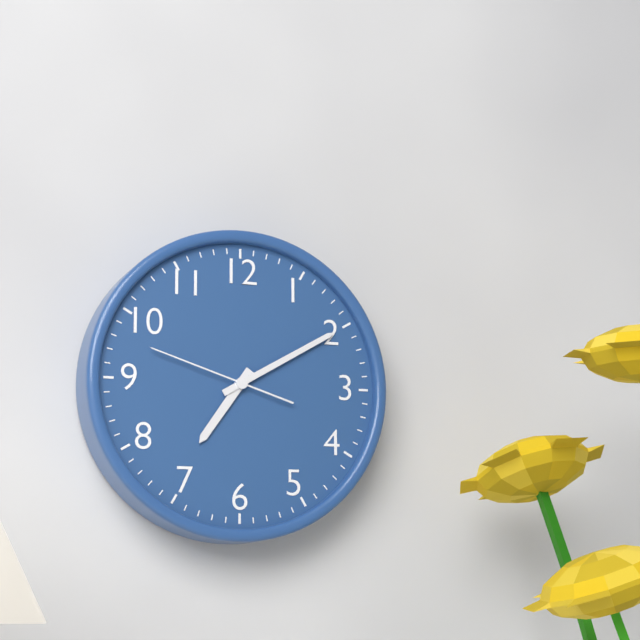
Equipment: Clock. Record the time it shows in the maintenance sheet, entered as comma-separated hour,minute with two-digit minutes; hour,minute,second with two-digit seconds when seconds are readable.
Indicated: 7,10,48
